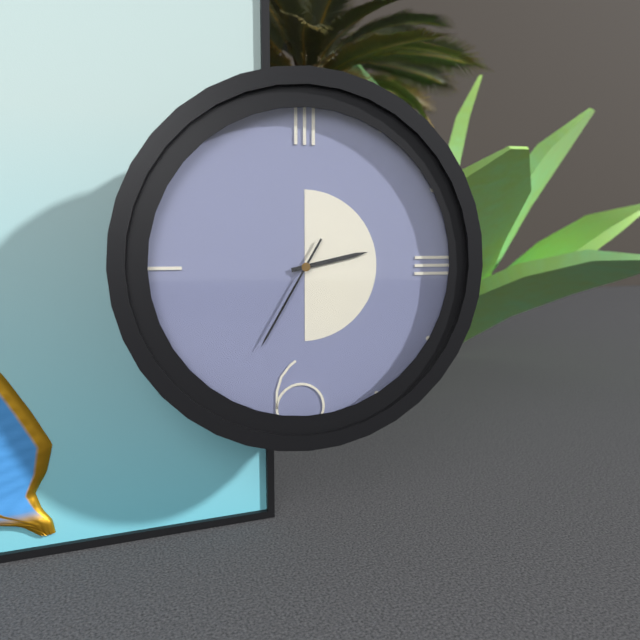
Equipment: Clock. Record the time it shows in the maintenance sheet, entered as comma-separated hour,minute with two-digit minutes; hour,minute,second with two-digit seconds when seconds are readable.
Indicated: 2,35
